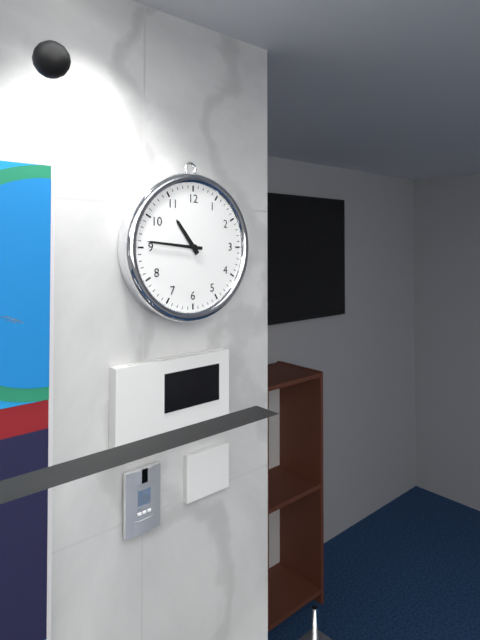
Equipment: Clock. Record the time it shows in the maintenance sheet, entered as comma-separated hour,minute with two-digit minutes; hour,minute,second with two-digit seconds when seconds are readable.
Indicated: 10,46
